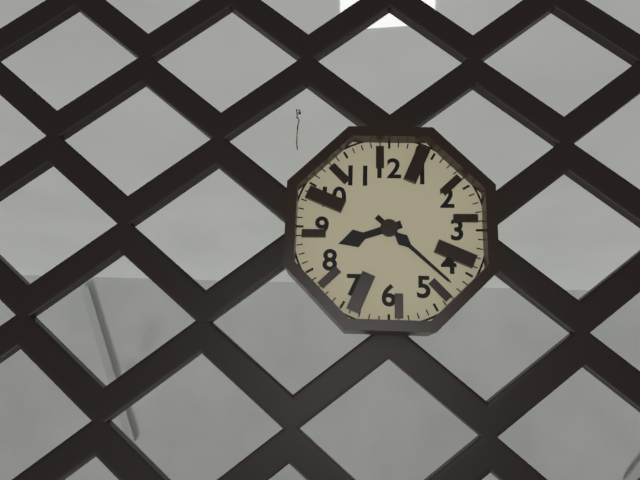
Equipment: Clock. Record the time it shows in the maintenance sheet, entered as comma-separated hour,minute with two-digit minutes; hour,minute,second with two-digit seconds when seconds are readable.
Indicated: 8,22
